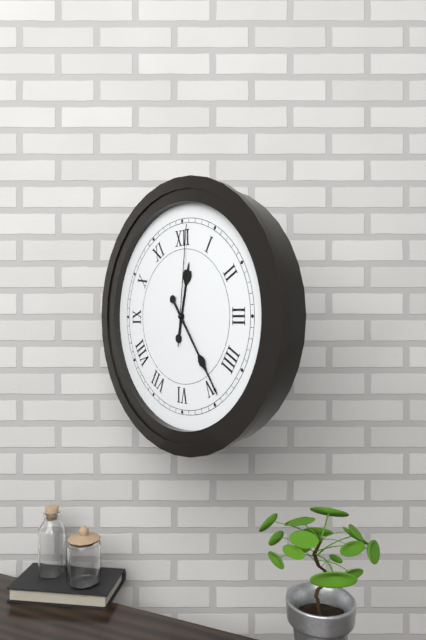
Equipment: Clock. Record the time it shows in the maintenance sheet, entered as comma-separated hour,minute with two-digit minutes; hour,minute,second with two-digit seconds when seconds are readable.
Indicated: 12,24,01
